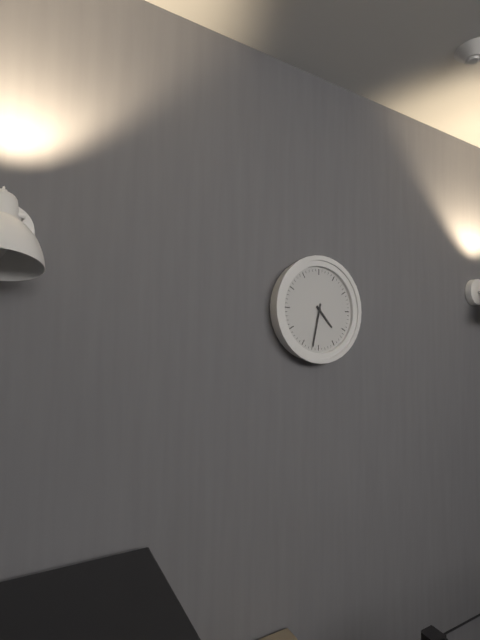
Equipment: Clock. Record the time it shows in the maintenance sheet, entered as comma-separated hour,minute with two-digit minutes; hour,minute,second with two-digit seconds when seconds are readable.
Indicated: 4,32
